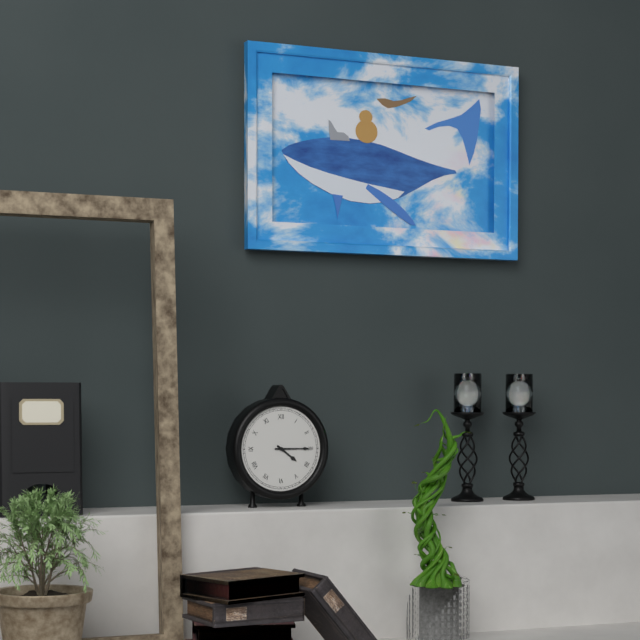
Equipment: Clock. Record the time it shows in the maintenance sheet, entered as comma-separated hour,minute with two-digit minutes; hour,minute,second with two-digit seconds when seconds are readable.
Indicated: 4,15
